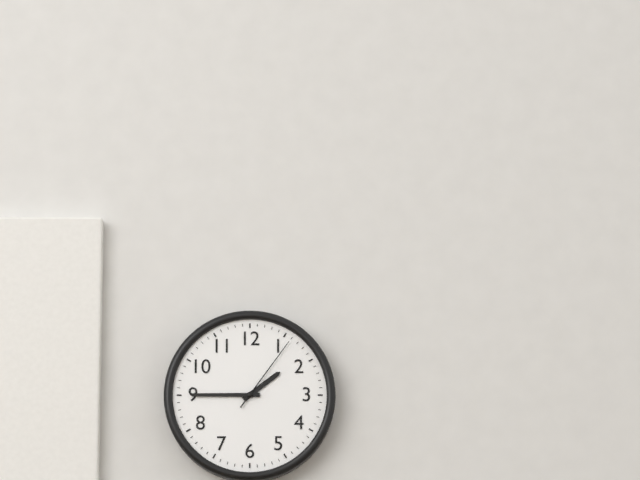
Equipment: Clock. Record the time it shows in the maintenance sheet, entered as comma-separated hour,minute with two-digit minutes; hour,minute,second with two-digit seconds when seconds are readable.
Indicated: 1,45,06
